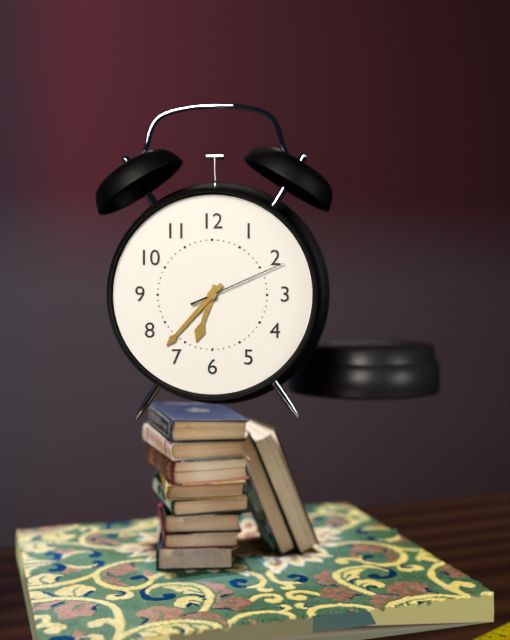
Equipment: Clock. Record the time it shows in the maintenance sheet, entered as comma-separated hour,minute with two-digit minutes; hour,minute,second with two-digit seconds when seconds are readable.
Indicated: 6,37,11
